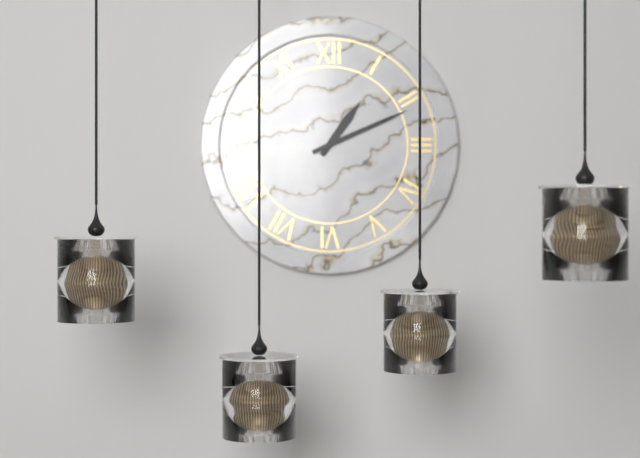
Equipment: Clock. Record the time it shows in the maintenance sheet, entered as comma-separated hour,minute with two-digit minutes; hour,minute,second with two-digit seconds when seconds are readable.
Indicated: 1,11
